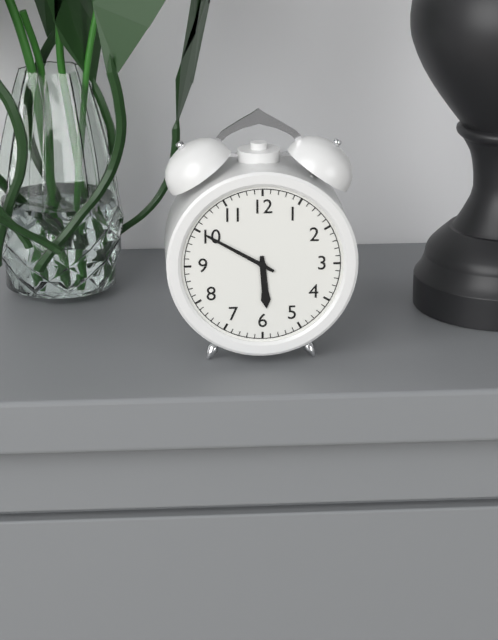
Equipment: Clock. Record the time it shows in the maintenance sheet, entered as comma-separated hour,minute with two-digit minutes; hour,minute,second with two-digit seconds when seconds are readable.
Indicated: 5,50
